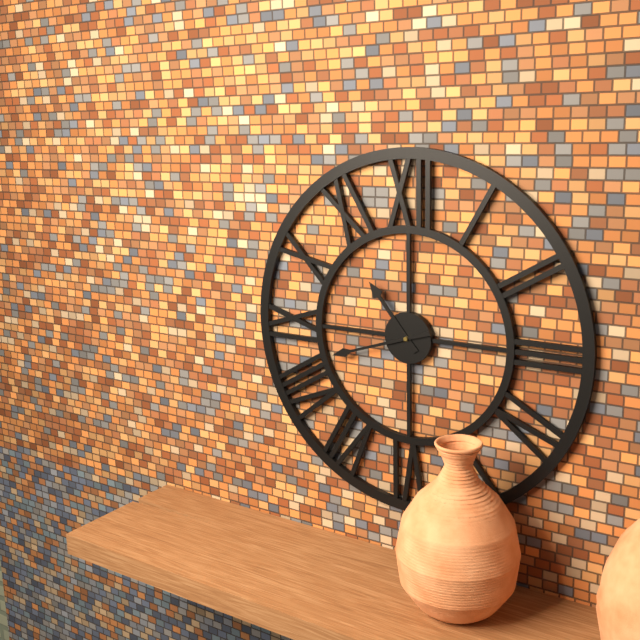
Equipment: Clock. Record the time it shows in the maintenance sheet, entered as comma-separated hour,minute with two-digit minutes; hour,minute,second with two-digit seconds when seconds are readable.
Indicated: 10,42
